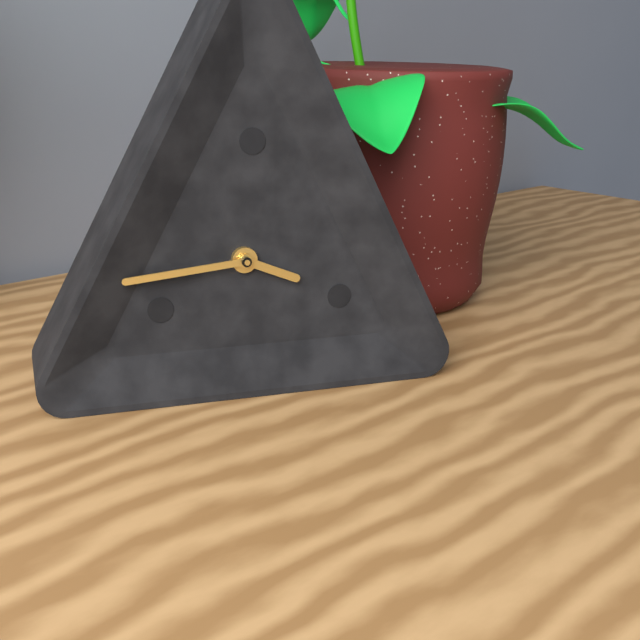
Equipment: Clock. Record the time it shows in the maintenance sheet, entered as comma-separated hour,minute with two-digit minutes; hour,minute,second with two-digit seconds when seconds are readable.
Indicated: 3,44
